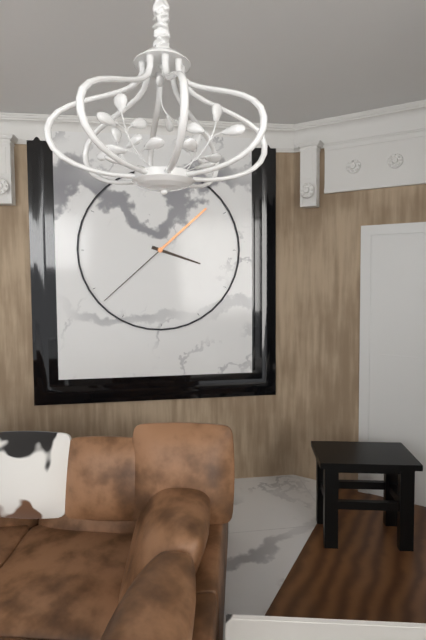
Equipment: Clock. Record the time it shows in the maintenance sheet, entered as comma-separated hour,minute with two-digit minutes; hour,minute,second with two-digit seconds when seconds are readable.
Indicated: 3,38
